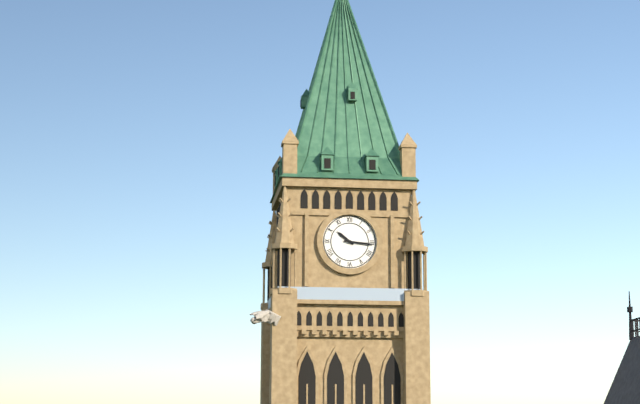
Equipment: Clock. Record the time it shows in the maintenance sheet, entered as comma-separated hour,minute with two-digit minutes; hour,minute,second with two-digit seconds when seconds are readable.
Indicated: 10,16
